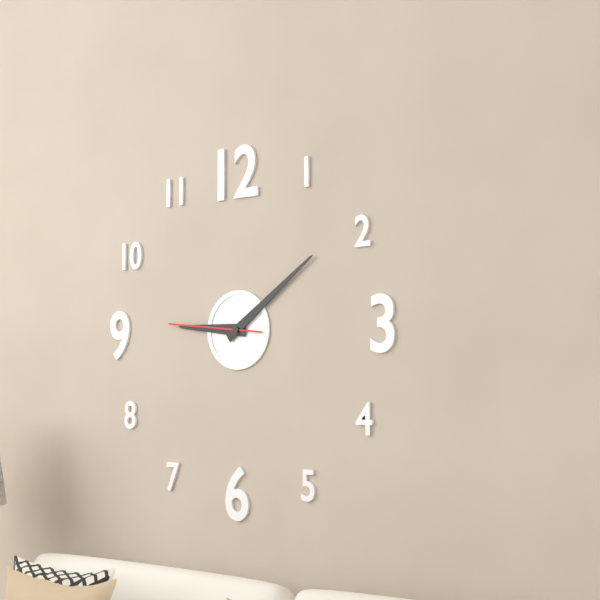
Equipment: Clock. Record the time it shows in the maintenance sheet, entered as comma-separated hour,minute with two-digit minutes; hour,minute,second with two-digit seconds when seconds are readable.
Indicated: 9,09,46
